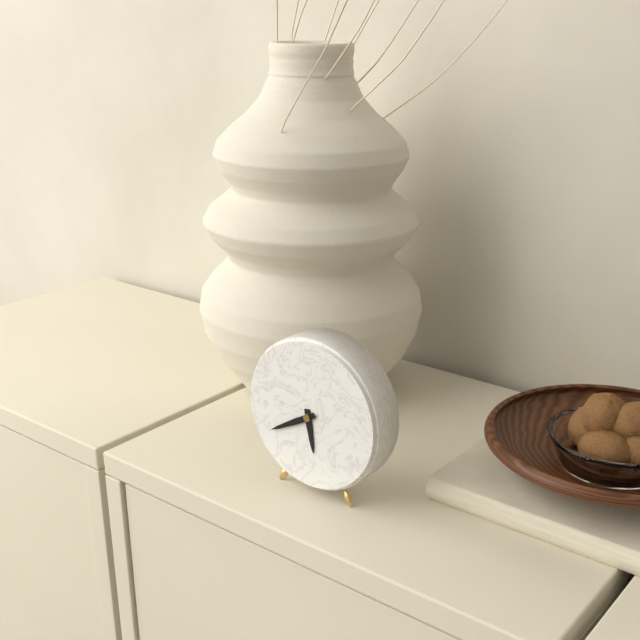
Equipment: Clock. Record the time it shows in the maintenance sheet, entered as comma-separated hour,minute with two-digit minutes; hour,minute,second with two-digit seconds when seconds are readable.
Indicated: 5,40
